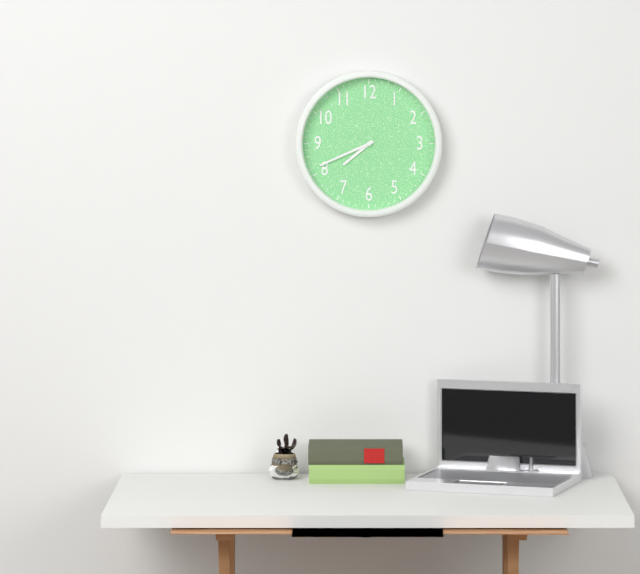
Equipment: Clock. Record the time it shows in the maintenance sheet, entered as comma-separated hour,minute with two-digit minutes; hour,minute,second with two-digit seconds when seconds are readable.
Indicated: 7,41
